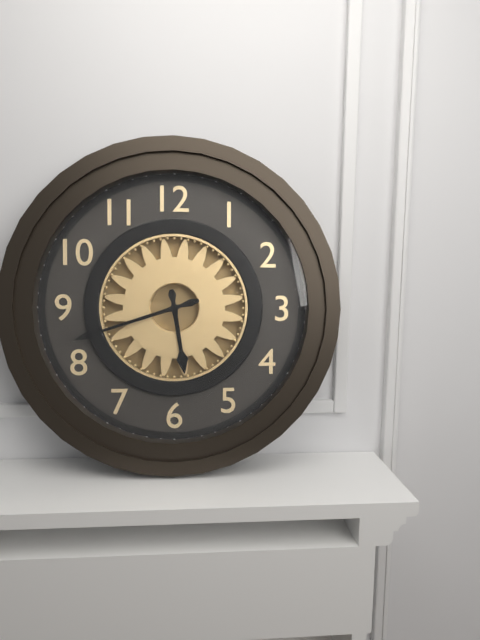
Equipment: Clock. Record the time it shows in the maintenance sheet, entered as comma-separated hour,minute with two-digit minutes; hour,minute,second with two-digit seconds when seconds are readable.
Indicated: 5,42
